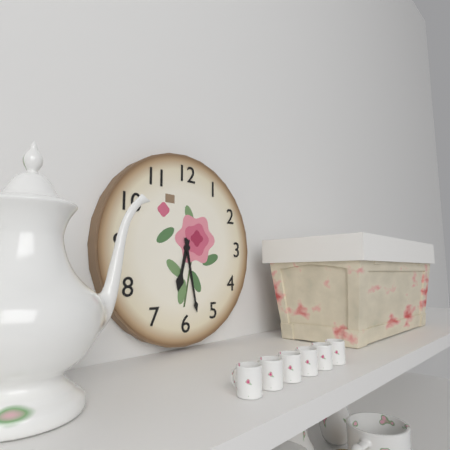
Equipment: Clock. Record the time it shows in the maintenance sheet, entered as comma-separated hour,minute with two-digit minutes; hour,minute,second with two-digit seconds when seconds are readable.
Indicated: 6,28
